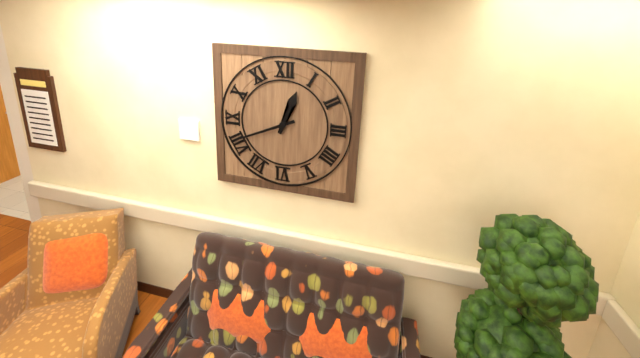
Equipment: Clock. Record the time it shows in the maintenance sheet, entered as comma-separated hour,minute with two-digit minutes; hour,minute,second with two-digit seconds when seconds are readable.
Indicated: 12,41
